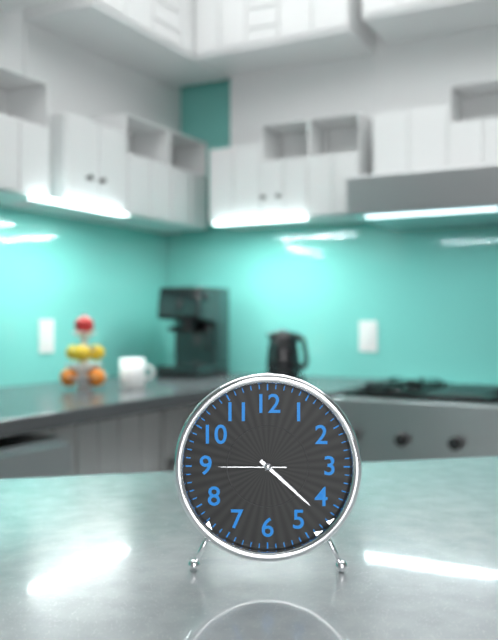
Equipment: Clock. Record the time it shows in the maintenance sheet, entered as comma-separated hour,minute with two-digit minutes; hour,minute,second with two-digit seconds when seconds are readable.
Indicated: 4,22,45
